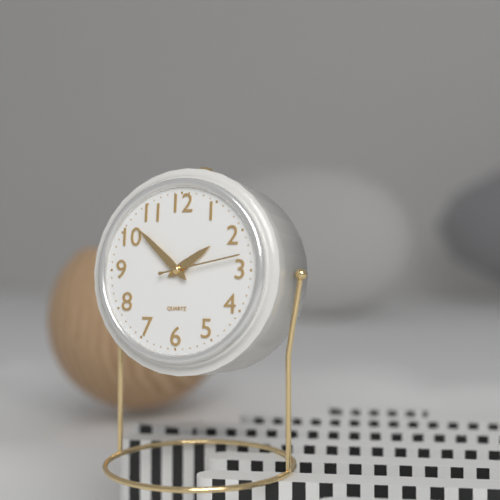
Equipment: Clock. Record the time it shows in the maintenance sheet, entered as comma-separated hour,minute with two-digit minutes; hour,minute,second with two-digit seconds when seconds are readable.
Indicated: 1,52,13
